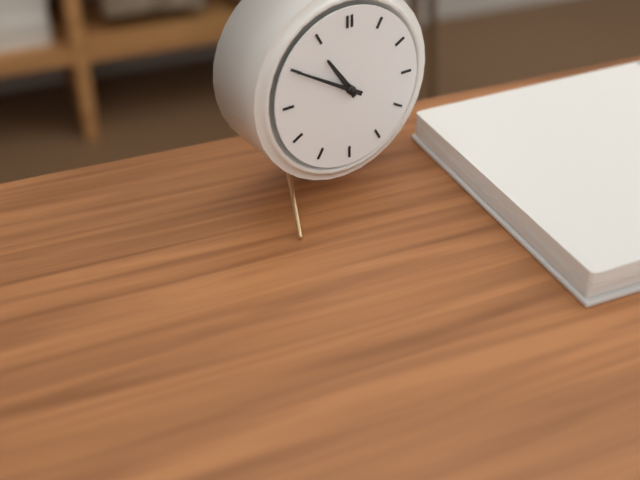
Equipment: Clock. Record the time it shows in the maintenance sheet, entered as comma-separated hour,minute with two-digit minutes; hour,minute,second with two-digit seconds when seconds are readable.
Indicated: 10,50
